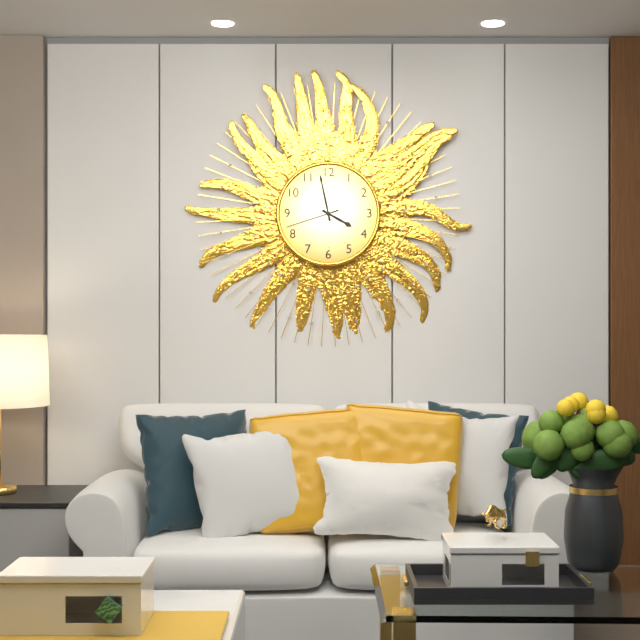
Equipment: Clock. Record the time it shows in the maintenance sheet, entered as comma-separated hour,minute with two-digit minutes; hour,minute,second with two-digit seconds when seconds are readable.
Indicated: 3,58,42
